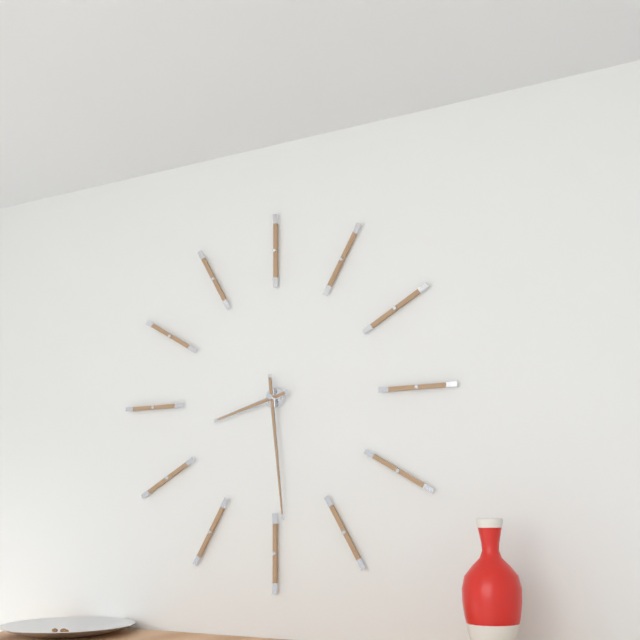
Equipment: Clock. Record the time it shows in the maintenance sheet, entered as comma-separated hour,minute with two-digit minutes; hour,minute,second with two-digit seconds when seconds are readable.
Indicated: 8,29
